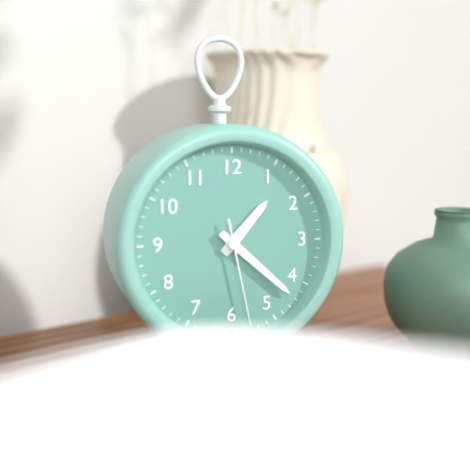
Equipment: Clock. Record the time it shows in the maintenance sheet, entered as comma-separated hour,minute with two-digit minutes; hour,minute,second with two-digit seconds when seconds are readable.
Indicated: 1,22,28
